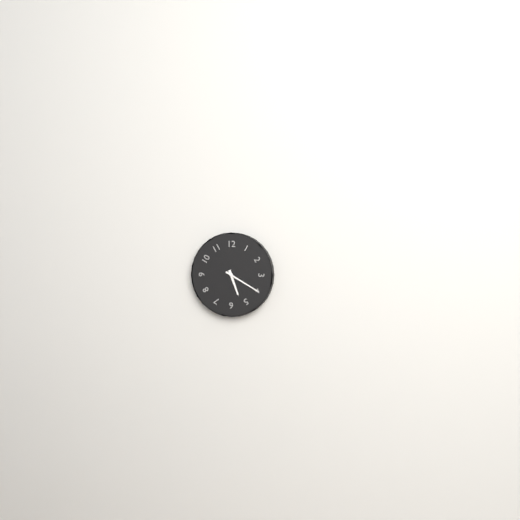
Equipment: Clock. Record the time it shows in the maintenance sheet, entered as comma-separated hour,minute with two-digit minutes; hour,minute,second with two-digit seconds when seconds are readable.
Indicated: 5,20
